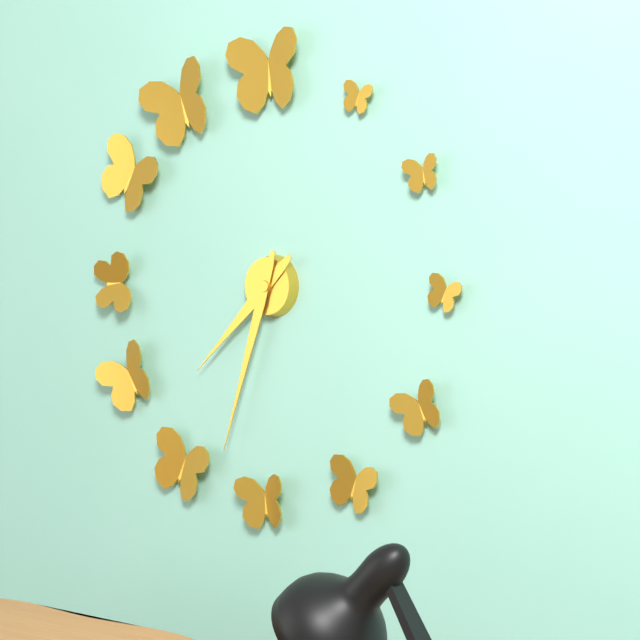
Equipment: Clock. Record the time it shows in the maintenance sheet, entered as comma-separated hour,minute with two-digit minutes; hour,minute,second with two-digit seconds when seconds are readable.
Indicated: 7,33
